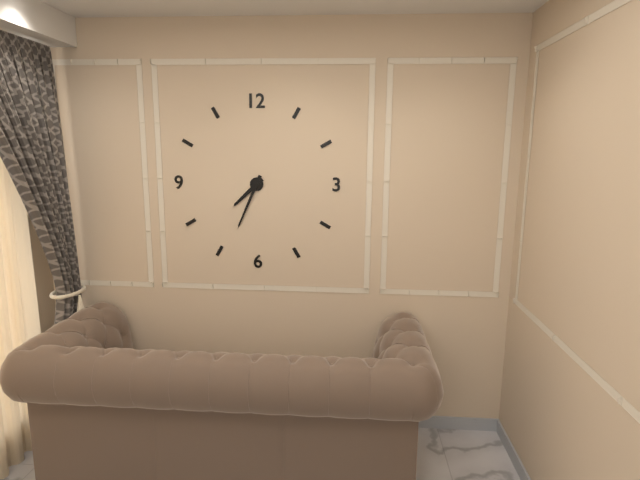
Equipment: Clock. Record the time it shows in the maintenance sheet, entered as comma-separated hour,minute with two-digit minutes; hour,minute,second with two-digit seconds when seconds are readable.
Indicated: 7,34
